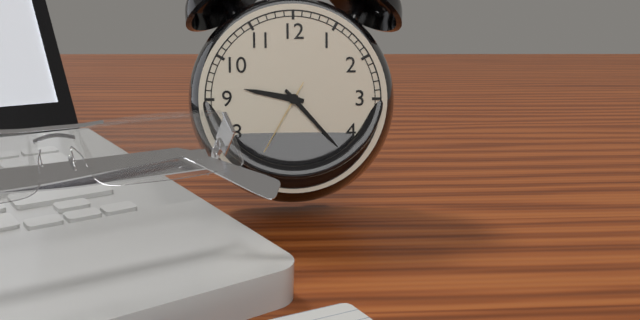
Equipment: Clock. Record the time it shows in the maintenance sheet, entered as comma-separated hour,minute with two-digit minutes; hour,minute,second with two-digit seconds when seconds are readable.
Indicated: 9,23,35
